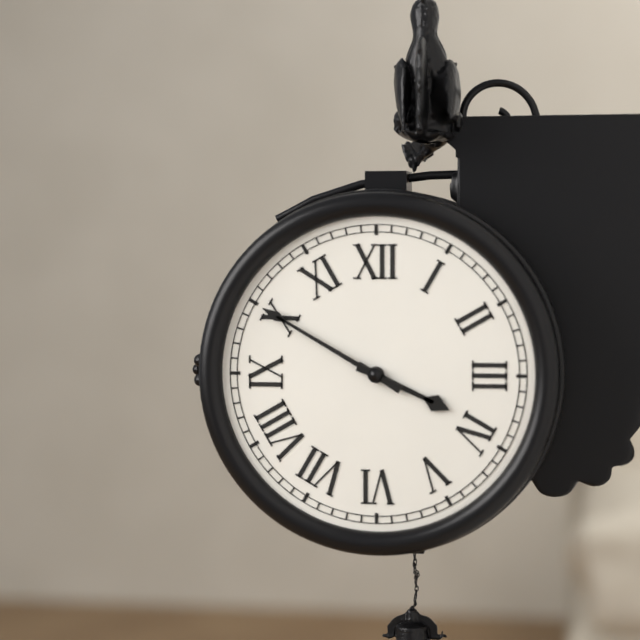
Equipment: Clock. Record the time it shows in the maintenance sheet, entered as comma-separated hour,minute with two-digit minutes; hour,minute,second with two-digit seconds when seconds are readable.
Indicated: 3,50
